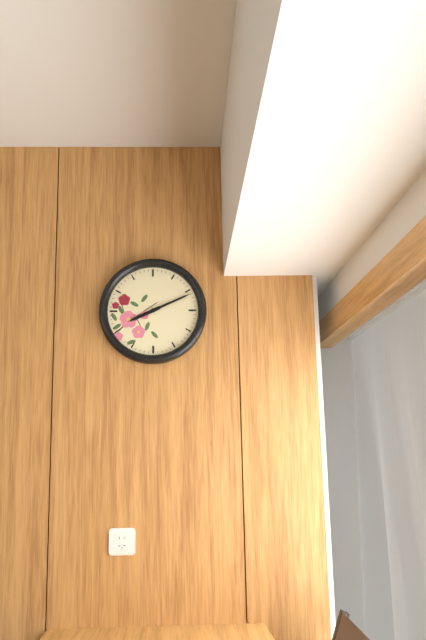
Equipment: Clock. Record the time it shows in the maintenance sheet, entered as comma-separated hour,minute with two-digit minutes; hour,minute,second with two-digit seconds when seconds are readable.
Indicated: 8,11
